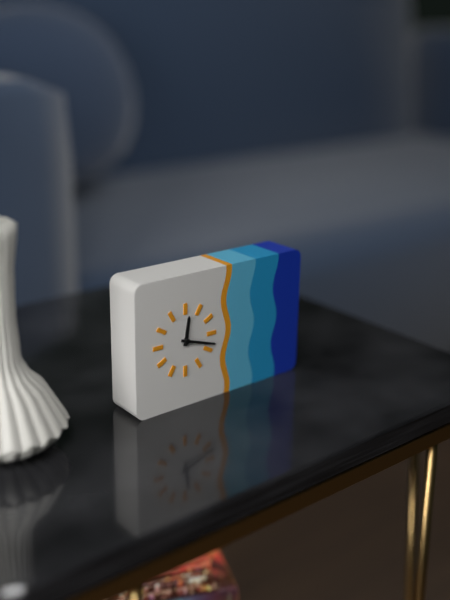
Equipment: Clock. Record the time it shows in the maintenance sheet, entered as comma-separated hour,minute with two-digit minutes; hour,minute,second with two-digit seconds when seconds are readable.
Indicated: 12,18
